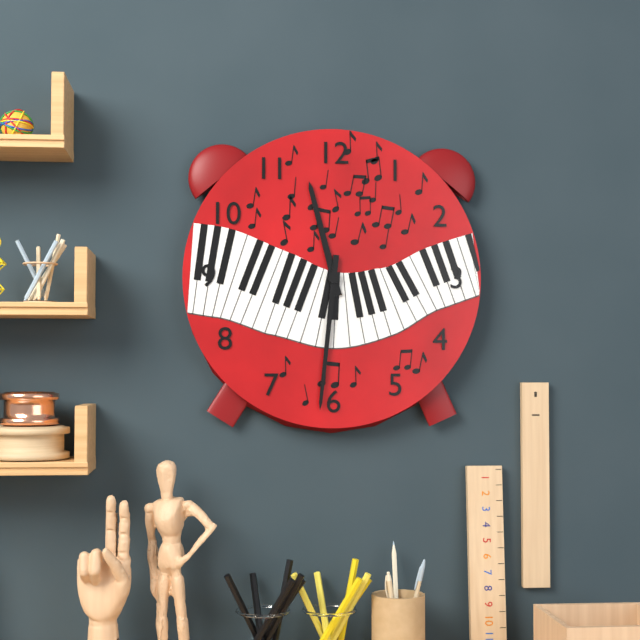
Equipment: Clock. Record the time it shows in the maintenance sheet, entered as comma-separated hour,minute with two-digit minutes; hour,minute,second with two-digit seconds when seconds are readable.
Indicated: 11,31
